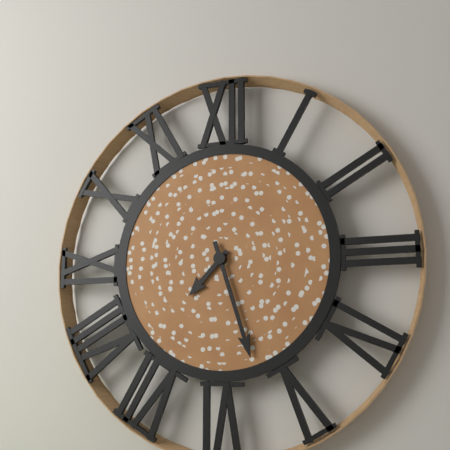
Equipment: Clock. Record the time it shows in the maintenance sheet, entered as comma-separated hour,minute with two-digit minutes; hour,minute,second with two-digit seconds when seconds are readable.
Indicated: 7,27
